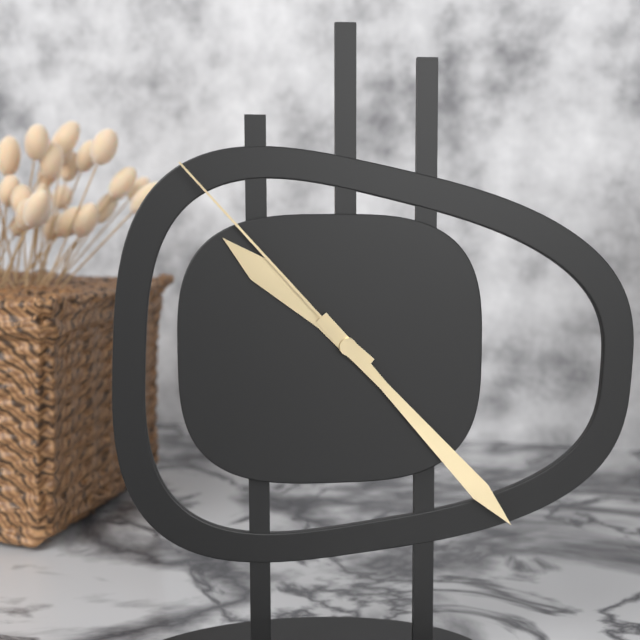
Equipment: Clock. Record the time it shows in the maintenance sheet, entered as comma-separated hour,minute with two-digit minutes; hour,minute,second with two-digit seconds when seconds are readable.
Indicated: 10,23,53
